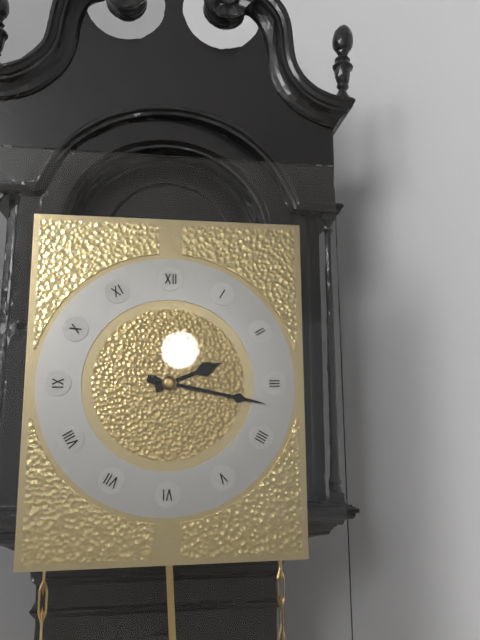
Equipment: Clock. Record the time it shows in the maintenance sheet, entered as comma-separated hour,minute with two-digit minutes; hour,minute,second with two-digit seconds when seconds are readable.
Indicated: 2,17
